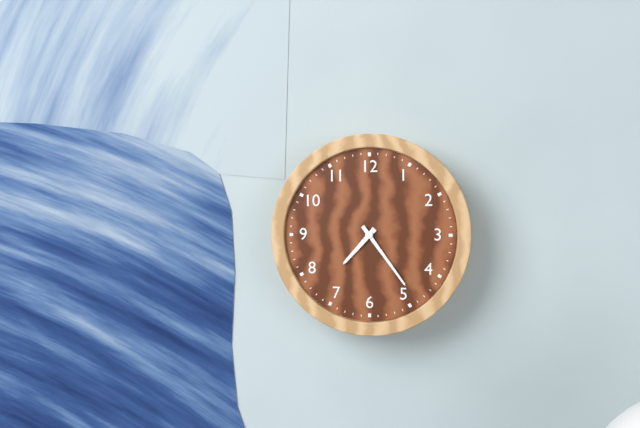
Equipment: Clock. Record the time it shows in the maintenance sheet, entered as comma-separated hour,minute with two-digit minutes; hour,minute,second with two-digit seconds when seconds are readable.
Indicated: 7,24
